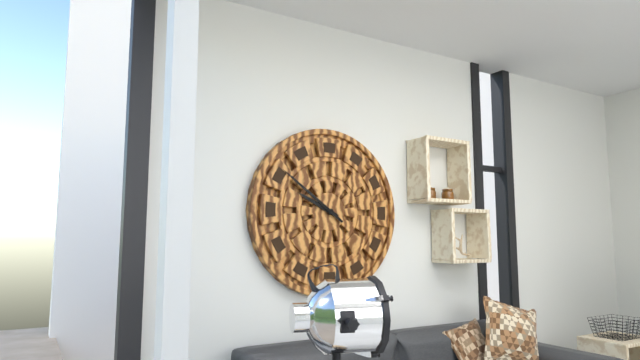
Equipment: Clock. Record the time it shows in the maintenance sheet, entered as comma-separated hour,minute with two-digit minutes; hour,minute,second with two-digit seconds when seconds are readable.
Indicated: 9,51
